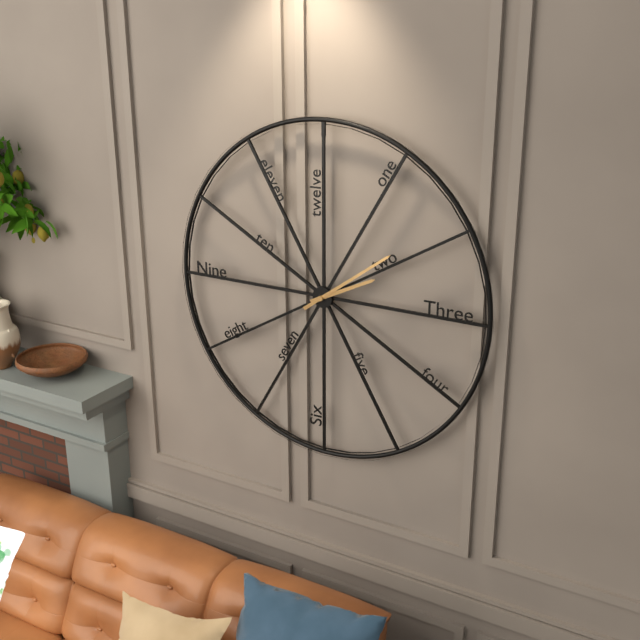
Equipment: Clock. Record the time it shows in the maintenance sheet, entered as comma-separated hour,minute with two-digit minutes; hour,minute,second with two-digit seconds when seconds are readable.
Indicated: 2,09
